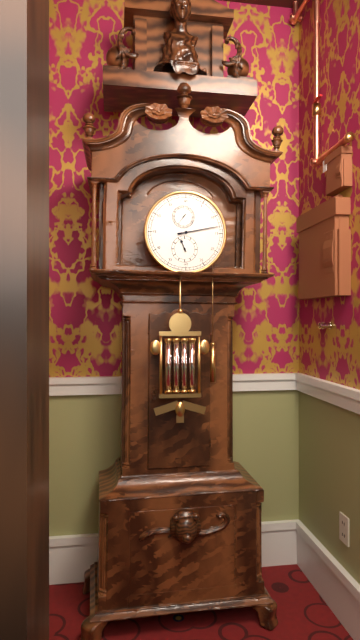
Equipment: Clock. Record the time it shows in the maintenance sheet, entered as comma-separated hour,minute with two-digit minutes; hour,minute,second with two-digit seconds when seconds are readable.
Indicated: 11,13
